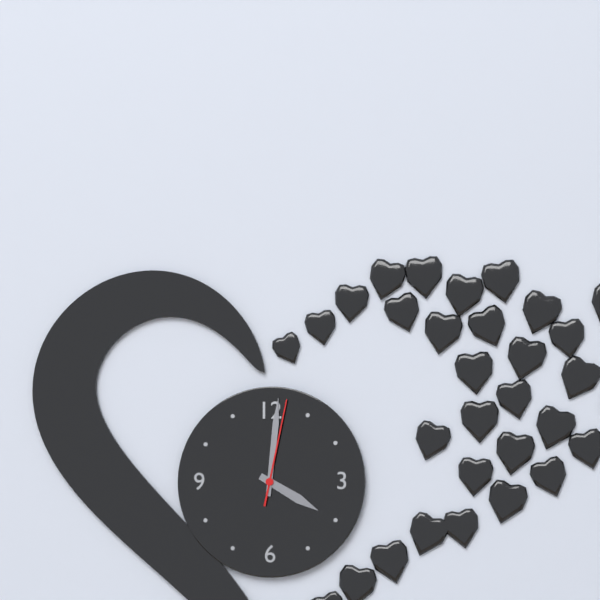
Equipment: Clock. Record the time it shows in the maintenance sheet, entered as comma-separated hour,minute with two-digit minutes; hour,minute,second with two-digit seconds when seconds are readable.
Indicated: 4,01,02
